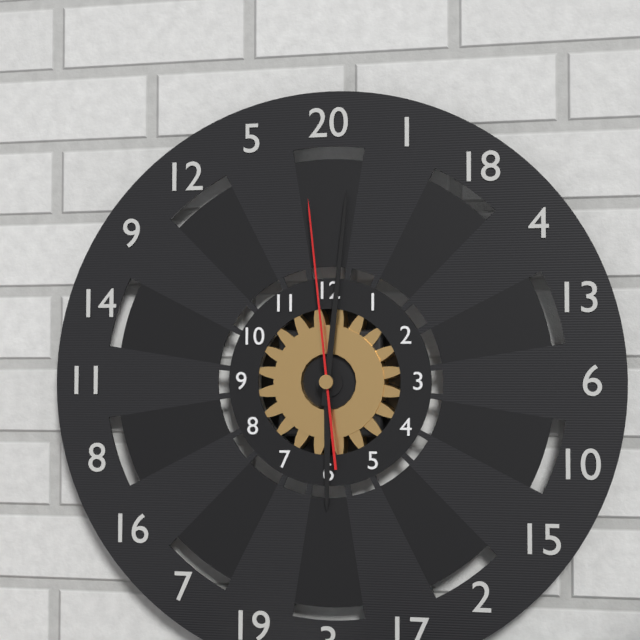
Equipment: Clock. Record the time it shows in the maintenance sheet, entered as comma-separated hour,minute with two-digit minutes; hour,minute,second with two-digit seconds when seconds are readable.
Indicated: 6,01,59
